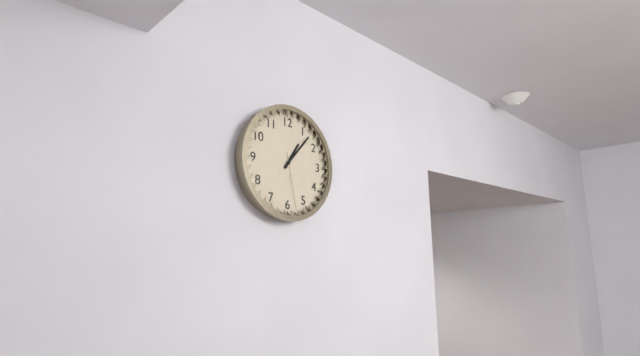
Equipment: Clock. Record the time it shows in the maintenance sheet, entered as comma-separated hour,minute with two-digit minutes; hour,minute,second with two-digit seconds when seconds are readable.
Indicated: 1,07,28
